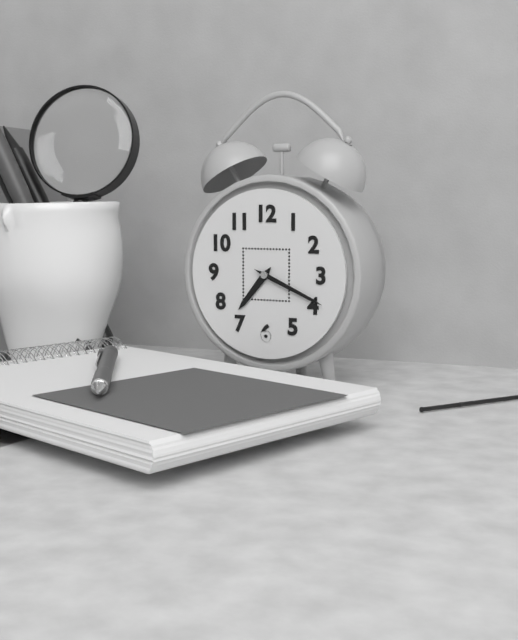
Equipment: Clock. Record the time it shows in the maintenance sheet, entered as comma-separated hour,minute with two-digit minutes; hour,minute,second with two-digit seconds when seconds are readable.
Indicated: 7,19
